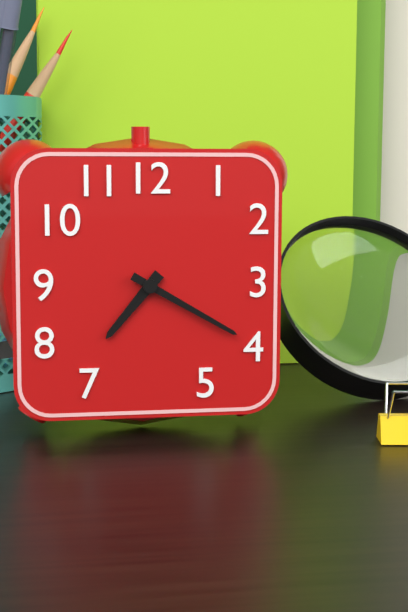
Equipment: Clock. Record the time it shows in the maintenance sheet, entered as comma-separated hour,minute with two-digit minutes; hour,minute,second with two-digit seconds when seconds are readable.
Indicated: 7,20
